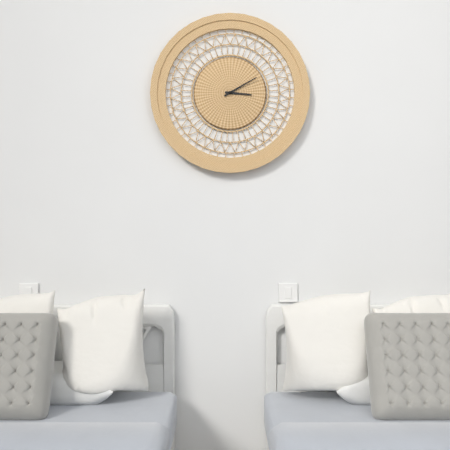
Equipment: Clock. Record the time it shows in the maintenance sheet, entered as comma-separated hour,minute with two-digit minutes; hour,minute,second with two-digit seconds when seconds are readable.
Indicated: 3,10
